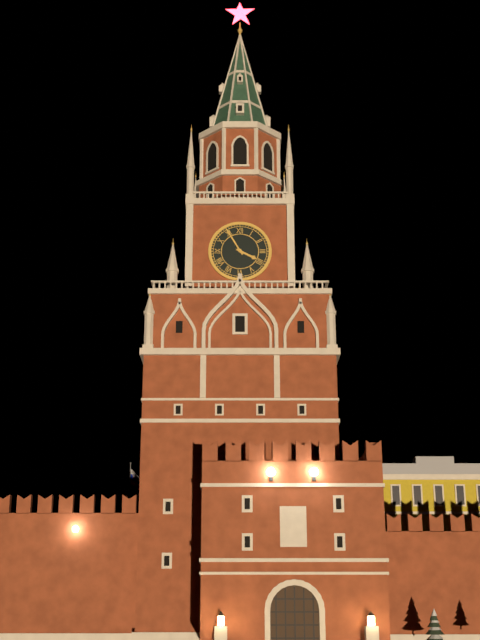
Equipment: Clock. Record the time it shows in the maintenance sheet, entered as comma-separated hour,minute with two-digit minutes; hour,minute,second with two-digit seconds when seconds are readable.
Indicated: 3,55
